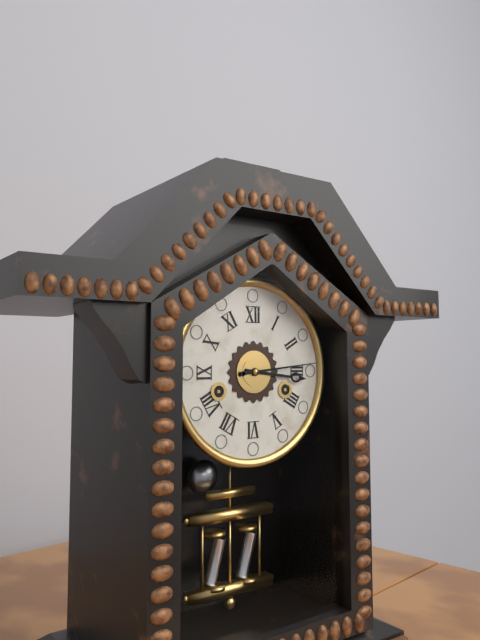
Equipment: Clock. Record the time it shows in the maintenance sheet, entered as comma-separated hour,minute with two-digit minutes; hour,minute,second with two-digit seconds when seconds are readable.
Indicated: 3,14
